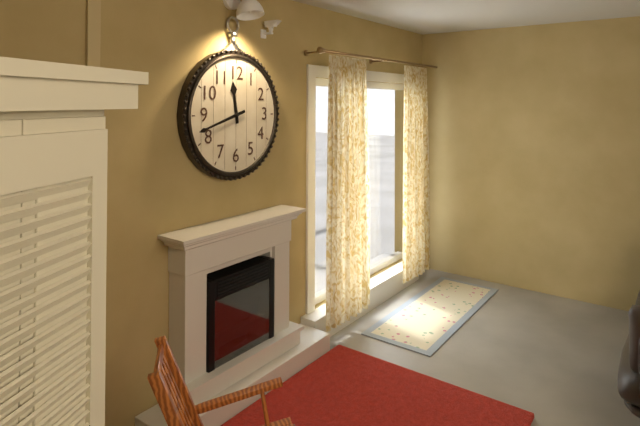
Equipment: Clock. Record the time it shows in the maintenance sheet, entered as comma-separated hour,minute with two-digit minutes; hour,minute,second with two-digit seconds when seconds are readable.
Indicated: 11,42
